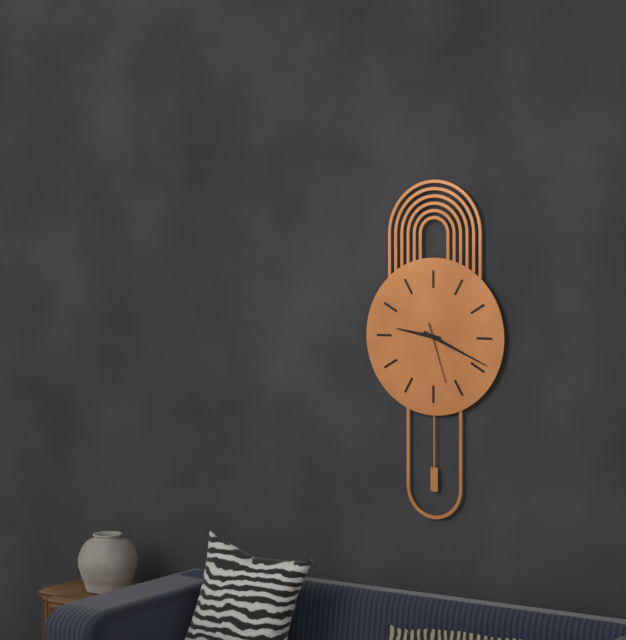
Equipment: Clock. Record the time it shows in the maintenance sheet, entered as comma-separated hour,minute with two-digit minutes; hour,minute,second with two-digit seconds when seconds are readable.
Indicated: 9,19,27
